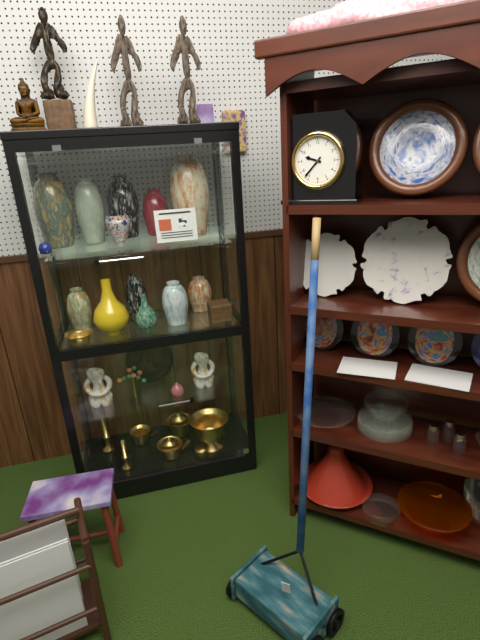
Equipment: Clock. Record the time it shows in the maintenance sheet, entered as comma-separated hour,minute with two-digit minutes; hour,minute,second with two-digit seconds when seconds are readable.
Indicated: 9,37
